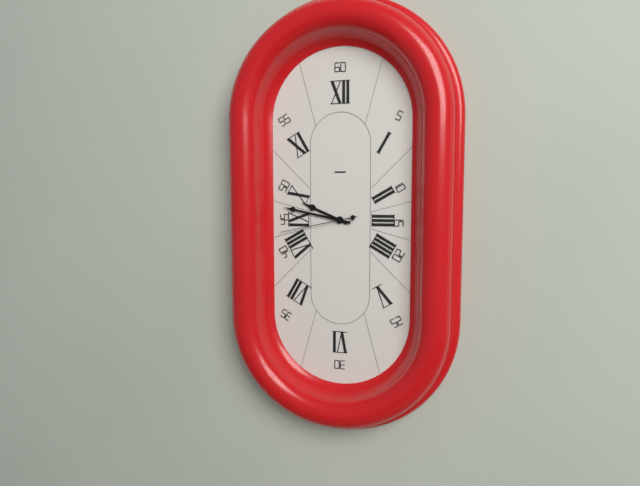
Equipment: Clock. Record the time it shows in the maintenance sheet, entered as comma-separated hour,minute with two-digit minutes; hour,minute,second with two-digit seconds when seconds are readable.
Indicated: 9,47,43
